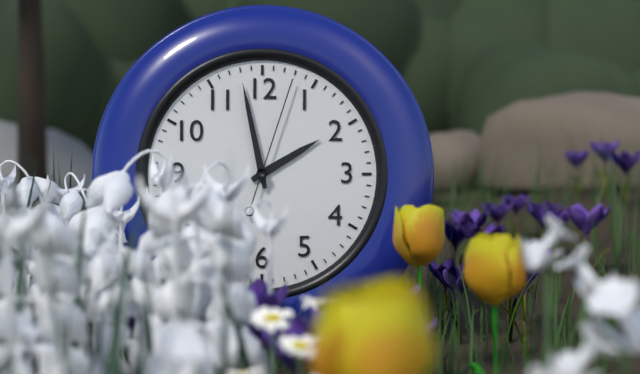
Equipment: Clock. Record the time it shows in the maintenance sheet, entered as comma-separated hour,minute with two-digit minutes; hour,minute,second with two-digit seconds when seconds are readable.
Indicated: 1,58,03
